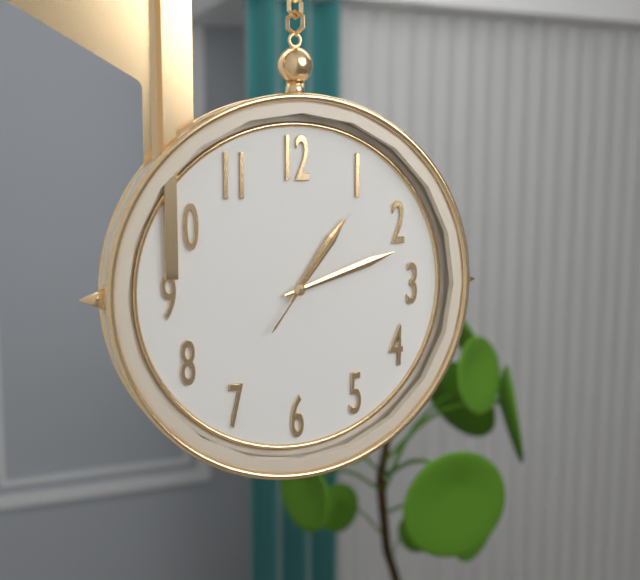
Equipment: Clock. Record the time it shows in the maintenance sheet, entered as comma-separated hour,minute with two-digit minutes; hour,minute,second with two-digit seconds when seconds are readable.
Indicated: 1,12,06
